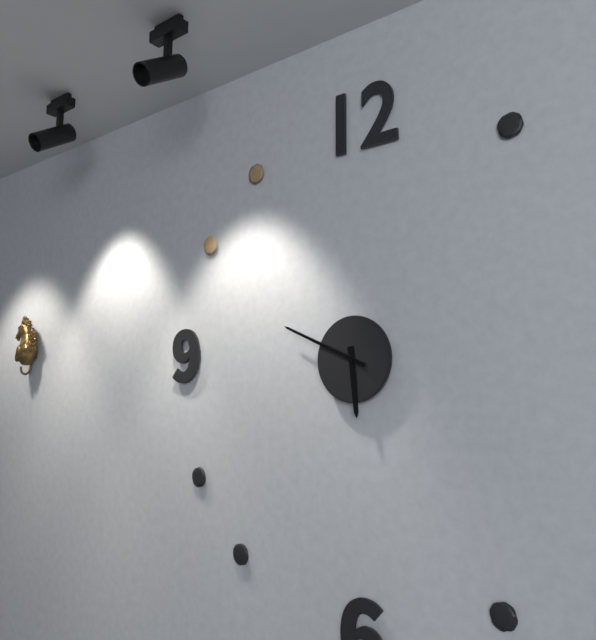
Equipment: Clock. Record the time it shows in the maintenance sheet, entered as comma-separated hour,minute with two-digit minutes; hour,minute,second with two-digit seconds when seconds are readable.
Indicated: 5,49
